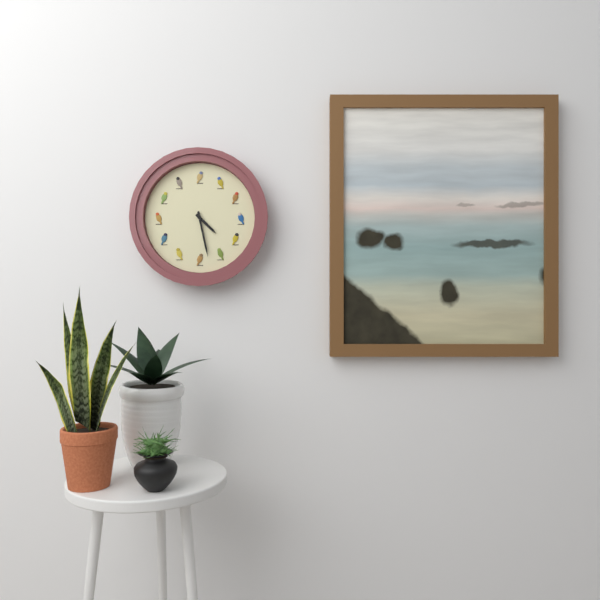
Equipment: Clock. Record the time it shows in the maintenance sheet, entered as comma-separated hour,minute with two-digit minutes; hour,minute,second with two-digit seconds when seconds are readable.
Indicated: 4,28
